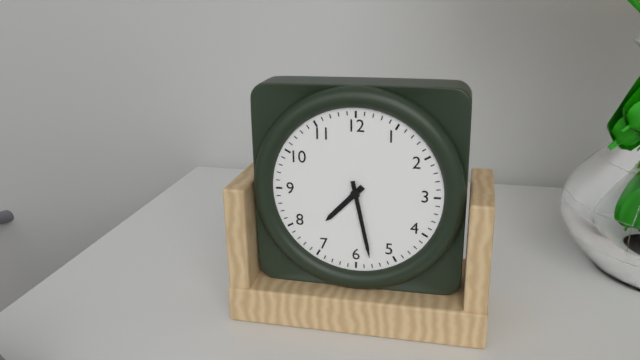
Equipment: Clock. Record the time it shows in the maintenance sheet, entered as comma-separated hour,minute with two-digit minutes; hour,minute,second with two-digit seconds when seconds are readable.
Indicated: 7,28
